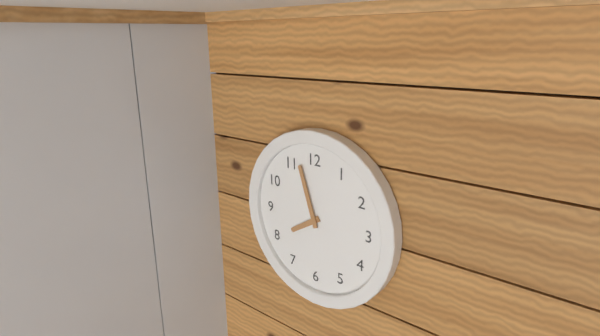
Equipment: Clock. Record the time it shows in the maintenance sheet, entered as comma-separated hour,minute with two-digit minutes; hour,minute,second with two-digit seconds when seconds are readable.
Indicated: 7,57
